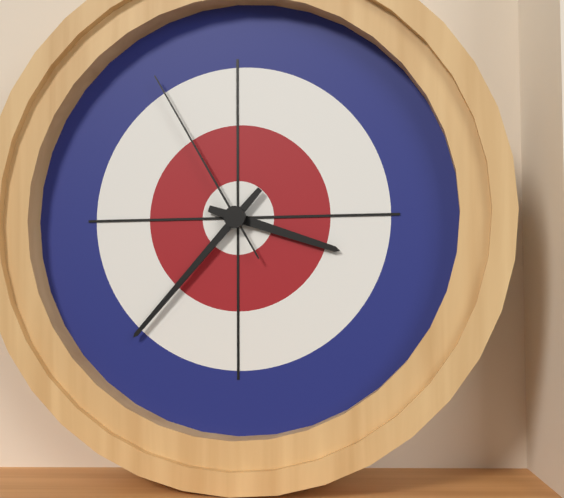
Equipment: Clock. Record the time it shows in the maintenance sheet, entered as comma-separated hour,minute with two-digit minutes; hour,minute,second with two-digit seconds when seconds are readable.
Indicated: 3,37,55
